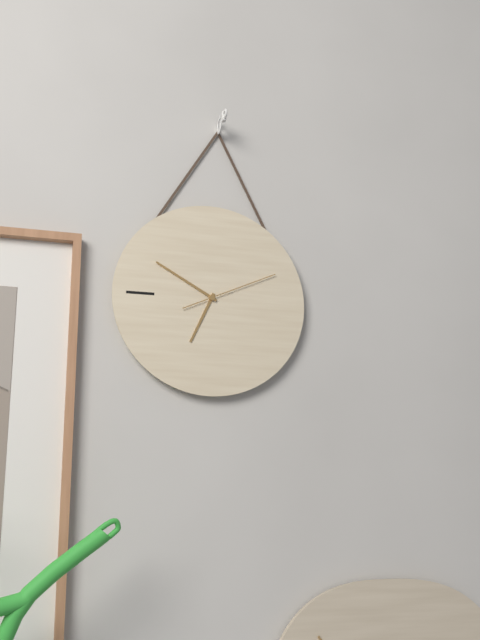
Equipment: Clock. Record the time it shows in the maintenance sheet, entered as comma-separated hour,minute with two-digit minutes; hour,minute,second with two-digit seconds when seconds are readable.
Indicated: 6,50,11
